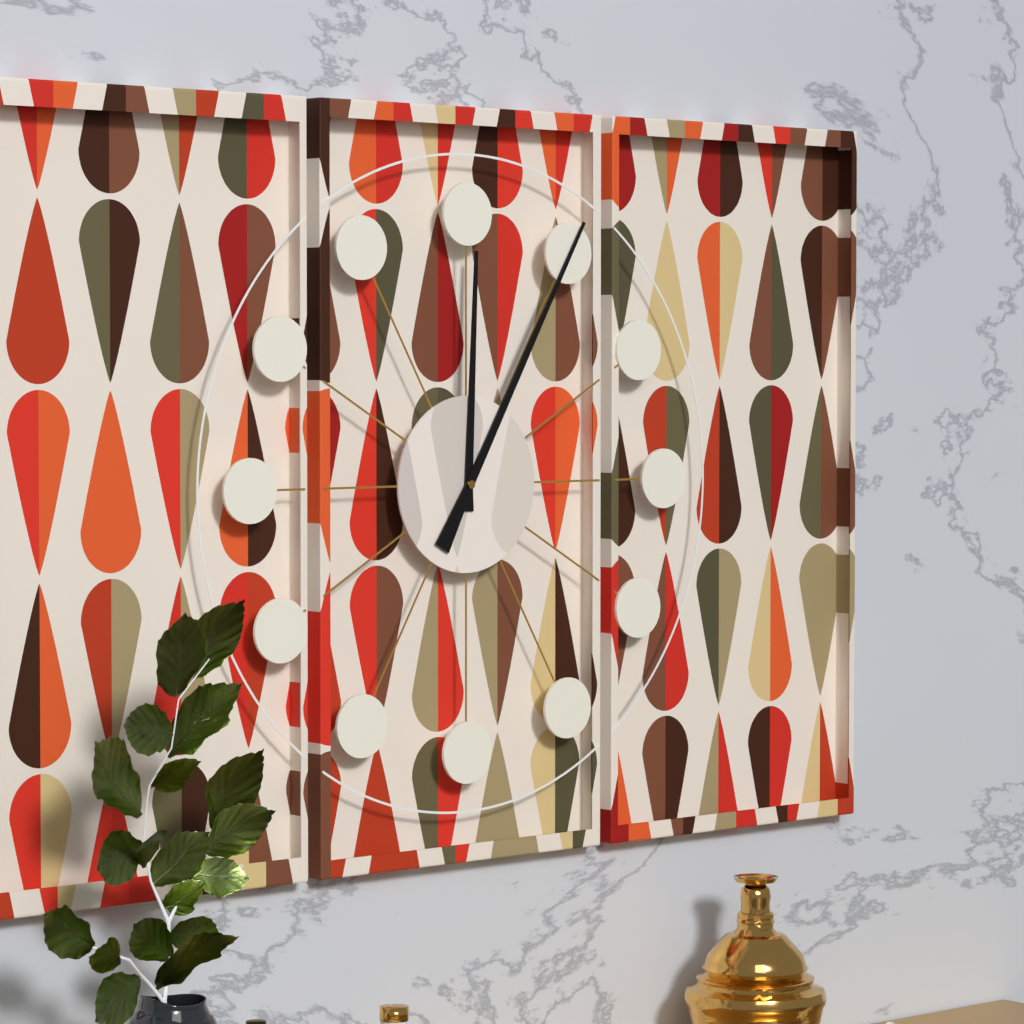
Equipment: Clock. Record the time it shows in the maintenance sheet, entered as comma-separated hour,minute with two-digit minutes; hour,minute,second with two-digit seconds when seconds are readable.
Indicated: 12,05
